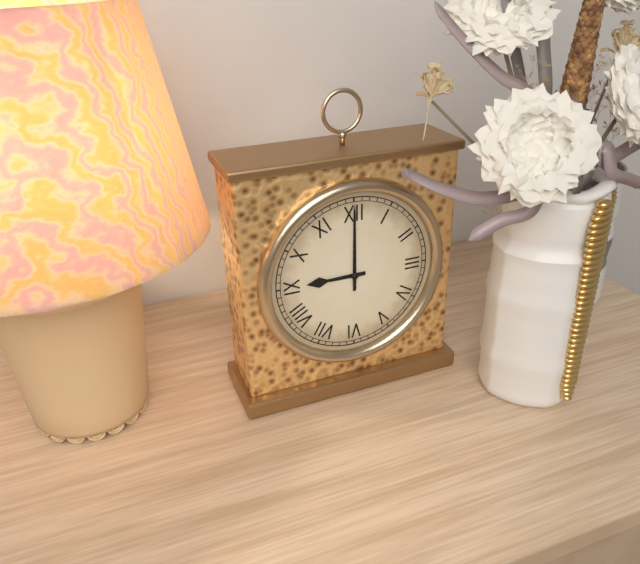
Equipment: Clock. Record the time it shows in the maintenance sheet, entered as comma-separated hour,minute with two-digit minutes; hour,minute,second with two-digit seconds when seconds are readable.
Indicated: 9,00
